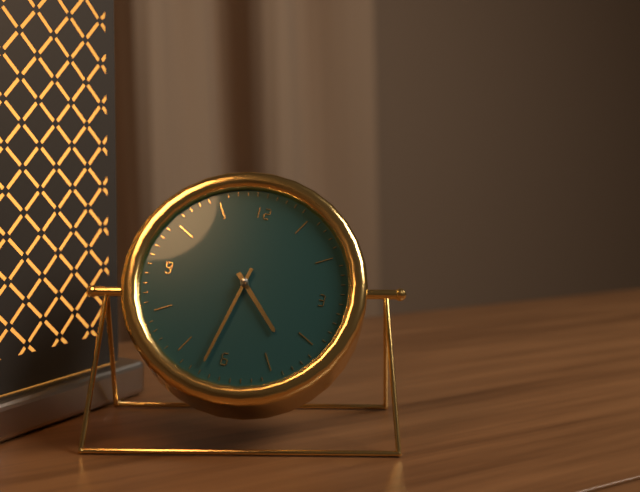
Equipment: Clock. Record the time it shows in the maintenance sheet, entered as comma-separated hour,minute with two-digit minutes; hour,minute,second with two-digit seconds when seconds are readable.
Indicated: 4,32
